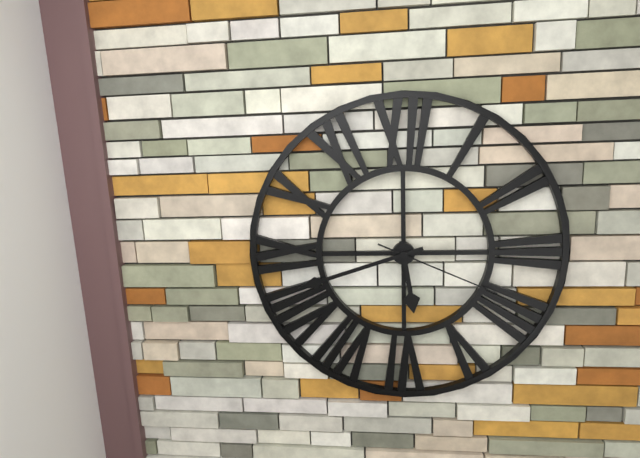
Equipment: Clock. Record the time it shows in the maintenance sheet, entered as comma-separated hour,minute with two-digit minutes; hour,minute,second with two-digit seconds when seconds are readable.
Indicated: 5,42,19
